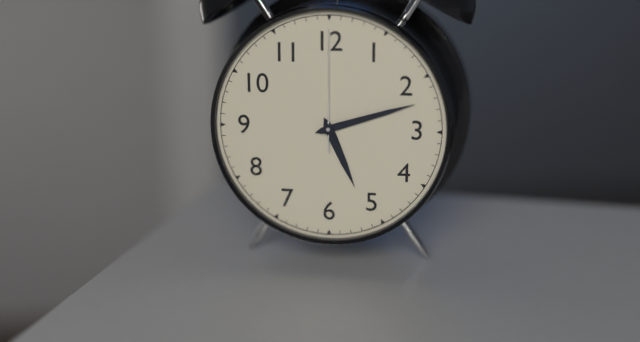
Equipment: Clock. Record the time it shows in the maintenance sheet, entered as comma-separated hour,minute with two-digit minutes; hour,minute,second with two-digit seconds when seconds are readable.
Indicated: 5,12,00
